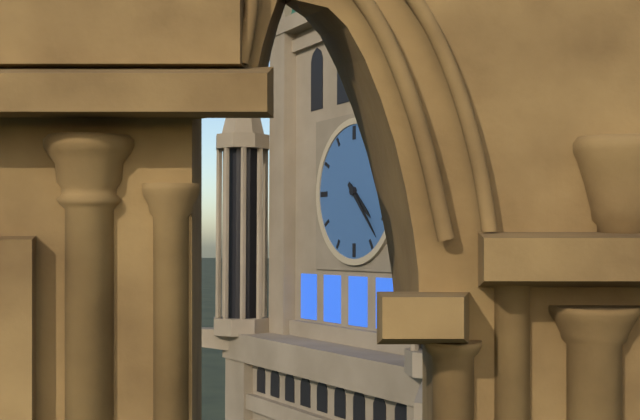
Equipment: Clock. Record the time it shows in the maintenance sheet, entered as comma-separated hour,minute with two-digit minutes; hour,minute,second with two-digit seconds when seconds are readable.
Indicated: 4,23
